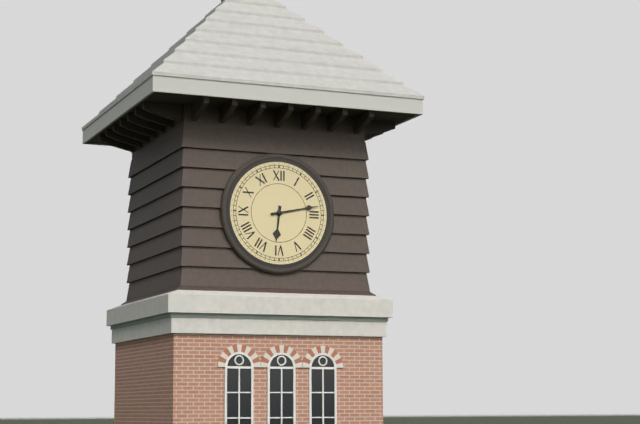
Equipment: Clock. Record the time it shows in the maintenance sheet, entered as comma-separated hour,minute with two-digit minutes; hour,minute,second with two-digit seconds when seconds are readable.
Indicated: 6,13
